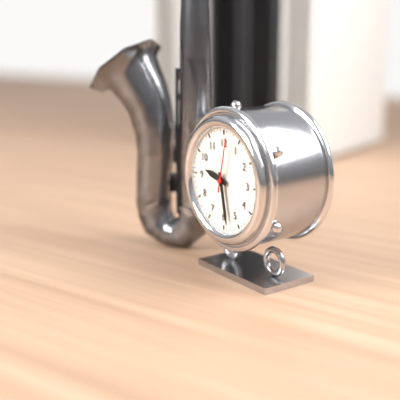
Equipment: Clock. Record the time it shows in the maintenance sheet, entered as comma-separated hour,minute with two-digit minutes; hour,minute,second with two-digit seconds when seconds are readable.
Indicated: 9,28,02
